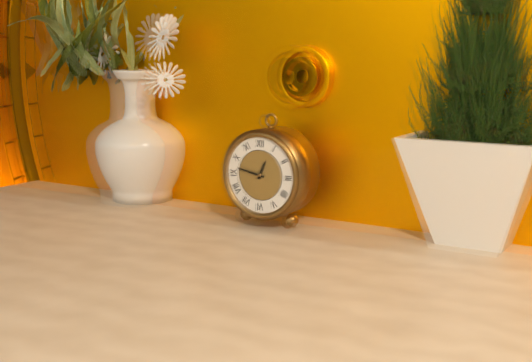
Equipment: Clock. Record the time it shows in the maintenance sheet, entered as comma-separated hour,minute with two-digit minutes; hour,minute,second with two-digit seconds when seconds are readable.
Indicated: 12,47
